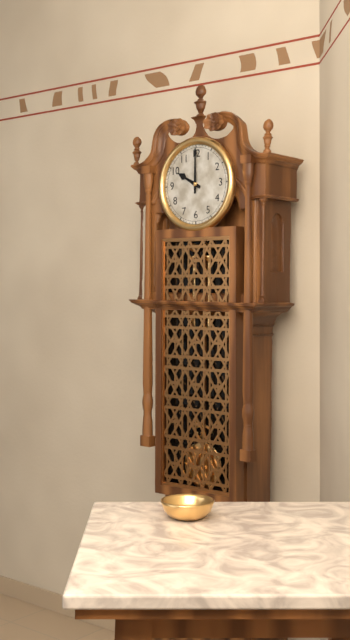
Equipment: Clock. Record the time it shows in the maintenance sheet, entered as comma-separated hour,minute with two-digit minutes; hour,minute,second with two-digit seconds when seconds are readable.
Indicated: 10,00
